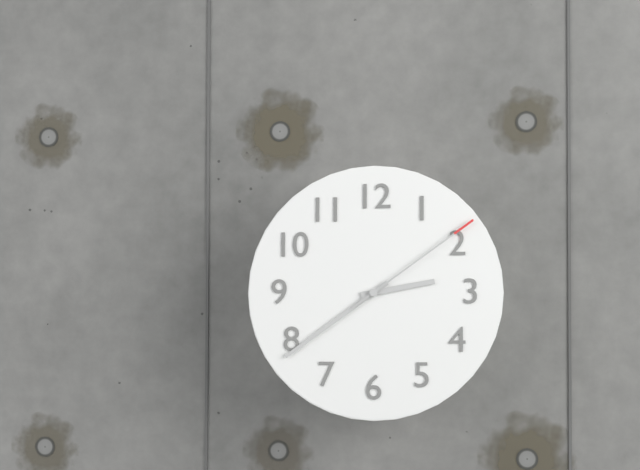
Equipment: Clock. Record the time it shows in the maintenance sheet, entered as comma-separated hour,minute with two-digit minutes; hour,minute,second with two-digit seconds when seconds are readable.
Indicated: 2,39,09
